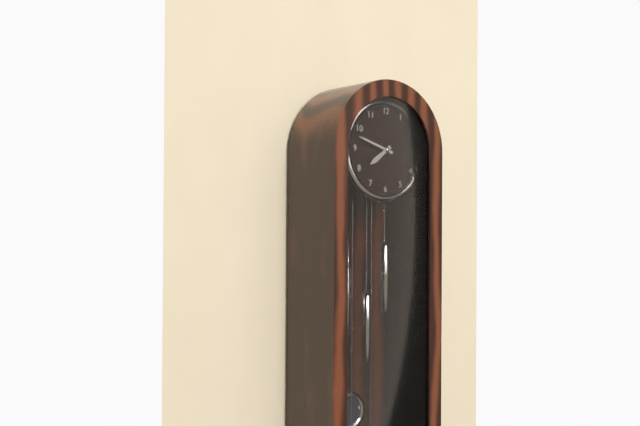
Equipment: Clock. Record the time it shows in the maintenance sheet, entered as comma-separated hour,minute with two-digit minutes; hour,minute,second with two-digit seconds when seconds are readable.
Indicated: 7,48
